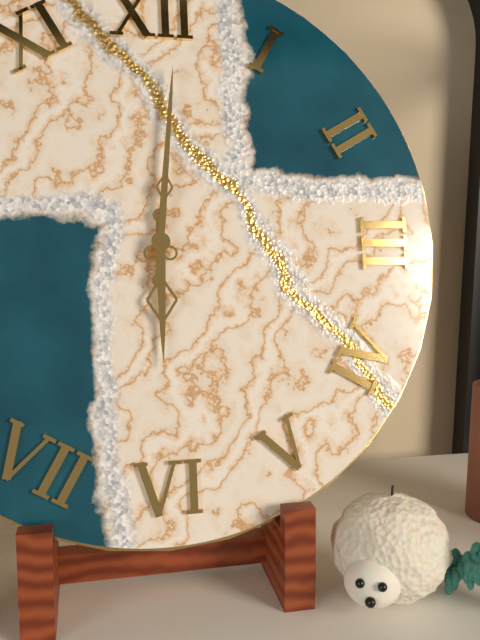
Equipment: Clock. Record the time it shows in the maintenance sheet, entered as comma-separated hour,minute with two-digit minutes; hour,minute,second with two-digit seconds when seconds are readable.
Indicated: 6,01
